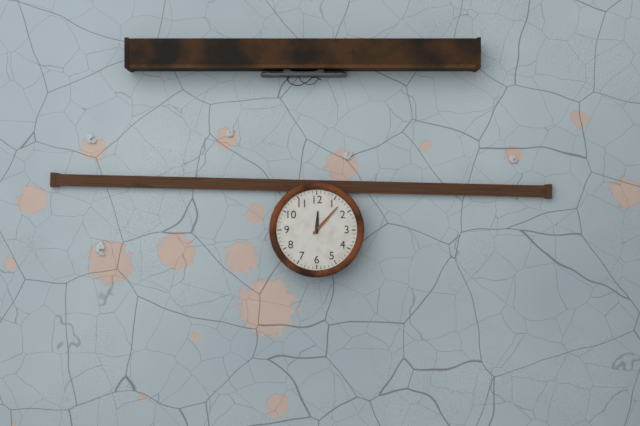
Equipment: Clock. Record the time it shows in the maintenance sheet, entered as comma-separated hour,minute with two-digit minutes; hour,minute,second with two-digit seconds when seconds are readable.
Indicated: 12,07
